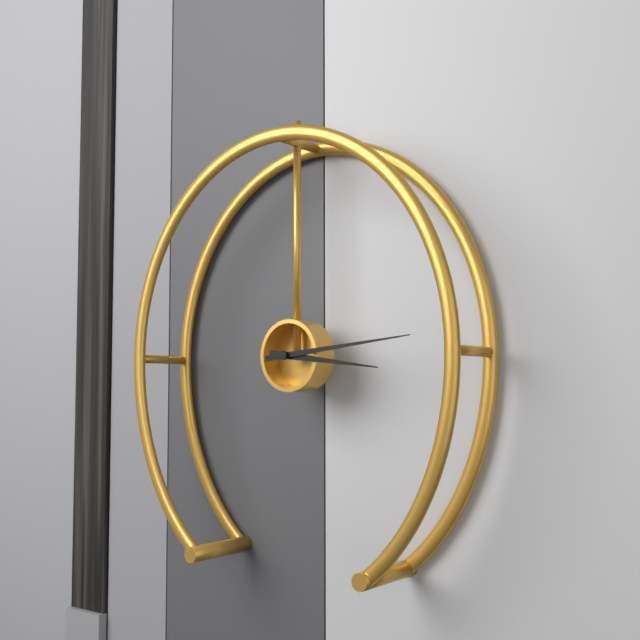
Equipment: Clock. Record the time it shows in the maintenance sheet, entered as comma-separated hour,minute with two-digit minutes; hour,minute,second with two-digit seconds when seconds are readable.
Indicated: 3,14
